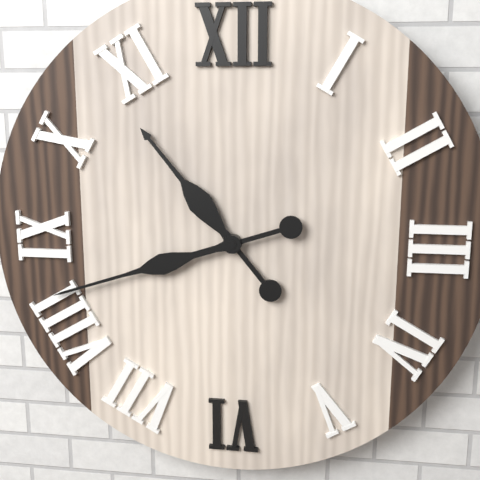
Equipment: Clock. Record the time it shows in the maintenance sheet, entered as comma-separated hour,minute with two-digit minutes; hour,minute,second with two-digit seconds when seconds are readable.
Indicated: 10,42
